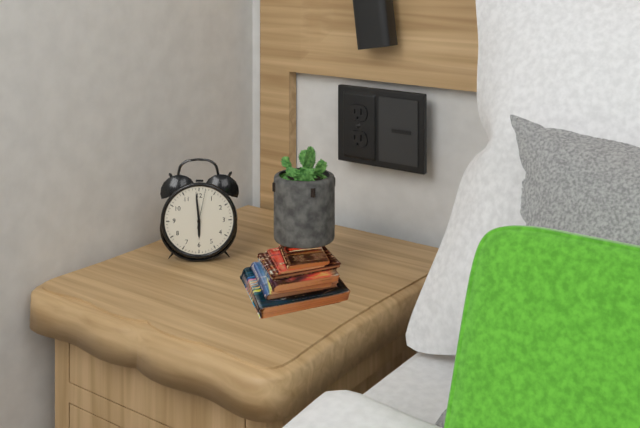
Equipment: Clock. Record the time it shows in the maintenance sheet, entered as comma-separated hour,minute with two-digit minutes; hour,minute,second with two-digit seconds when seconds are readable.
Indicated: 5,59
